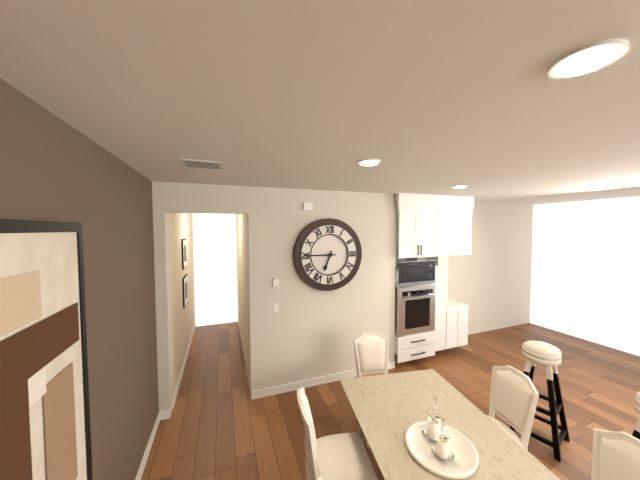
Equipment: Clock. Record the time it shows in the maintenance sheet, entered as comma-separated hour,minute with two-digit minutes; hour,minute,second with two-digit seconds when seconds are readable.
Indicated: 6,45
